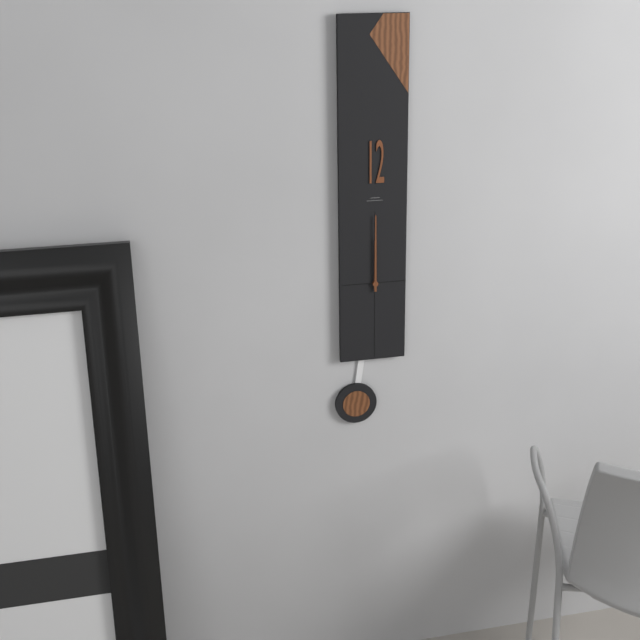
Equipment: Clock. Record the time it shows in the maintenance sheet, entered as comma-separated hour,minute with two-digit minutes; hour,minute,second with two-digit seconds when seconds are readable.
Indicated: 12,00
